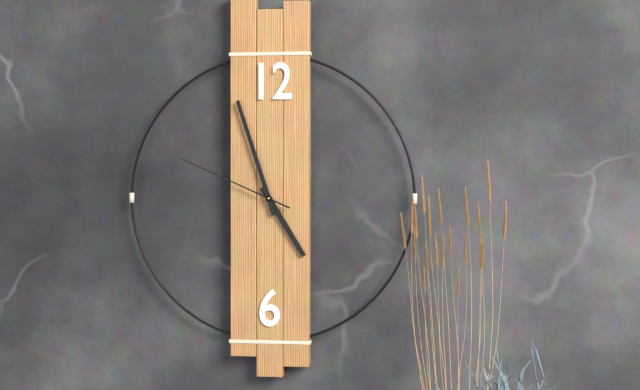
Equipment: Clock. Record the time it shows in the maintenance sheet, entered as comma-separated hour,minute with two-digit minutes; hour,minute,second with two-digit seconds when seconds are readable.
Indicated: 4,57,49
